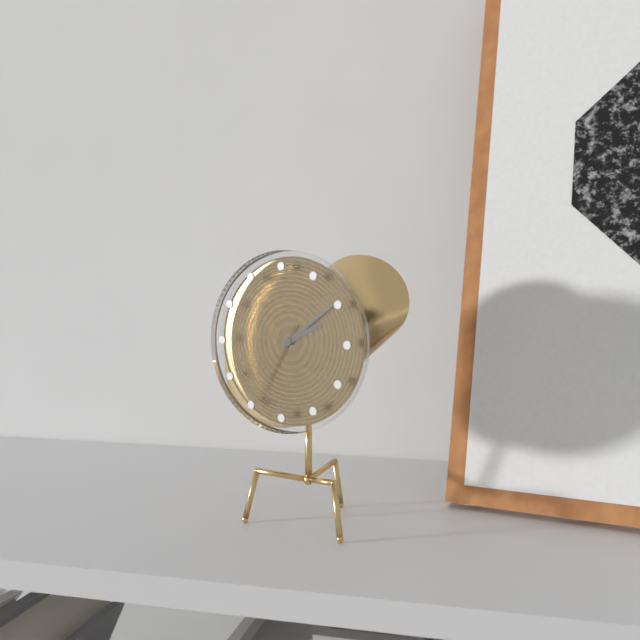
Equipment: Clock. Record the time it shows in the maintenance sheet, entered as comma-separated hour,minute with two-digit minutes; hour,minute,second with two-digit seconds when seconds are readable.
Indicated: 2,09,35
